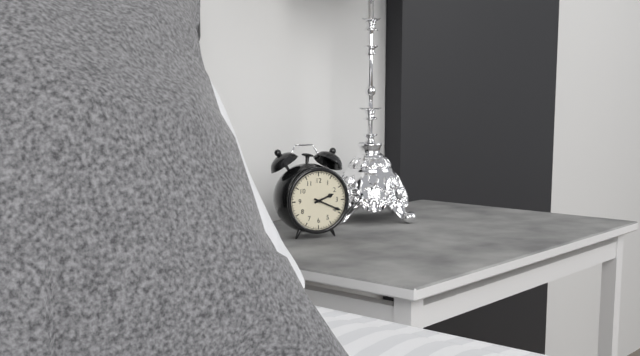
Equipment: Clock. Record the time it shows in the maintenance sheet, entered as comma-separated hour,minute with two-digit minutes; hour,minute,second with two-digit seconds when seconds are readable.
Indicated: 2,19
